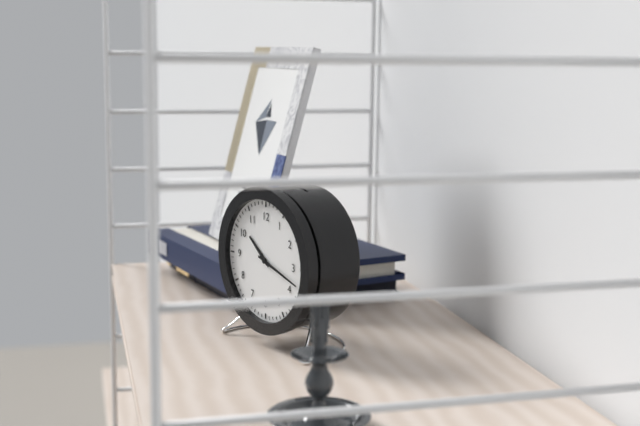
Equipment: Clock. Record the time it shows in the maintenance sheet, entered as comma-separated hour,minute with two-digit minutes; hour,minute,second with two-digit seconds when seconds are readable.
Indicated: 10,18
